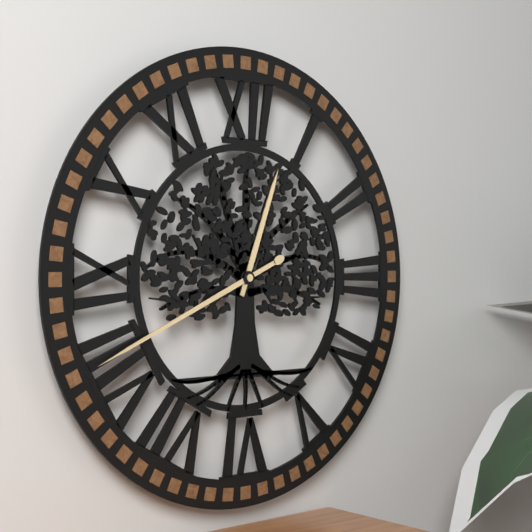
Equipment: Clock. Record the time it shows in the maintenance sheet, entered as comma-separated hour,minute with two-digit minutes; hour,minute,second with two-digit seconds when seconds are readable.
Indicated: 12,41
